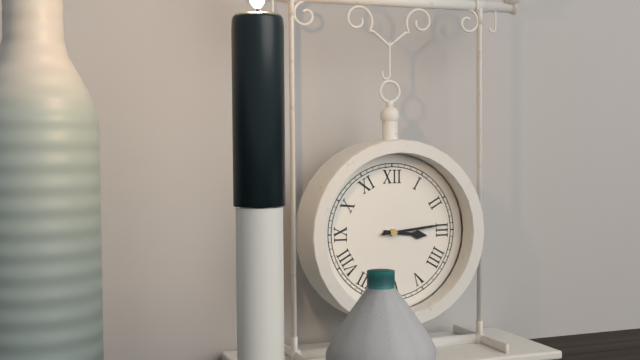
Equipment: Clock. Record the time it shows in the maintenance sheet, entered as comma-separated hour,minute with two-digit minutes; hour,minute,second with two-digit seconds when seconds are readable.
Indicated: 3,14
